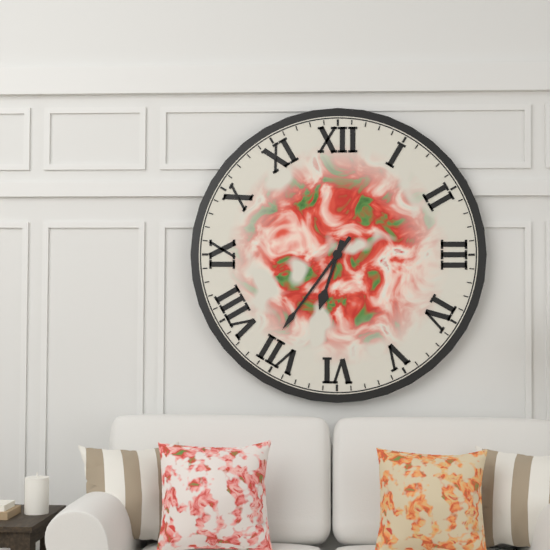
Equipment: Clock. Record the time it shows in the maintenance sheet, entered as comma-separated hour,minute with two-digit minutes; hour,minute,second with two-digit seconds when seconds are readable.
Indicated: 6,36
